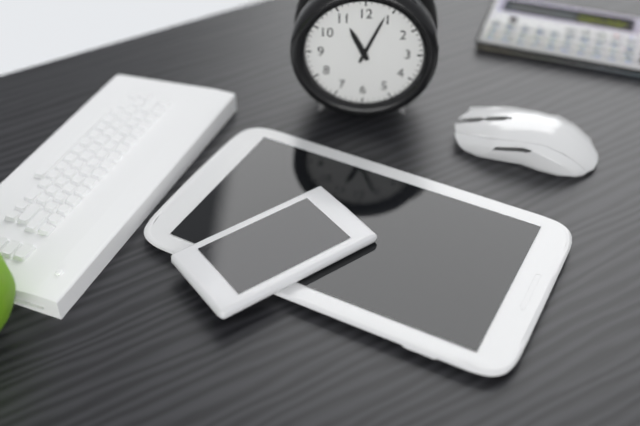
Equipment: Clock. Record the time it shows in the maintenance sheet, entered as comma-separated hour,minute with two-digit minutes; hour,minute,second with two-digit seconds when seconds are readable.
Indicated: 11,04
